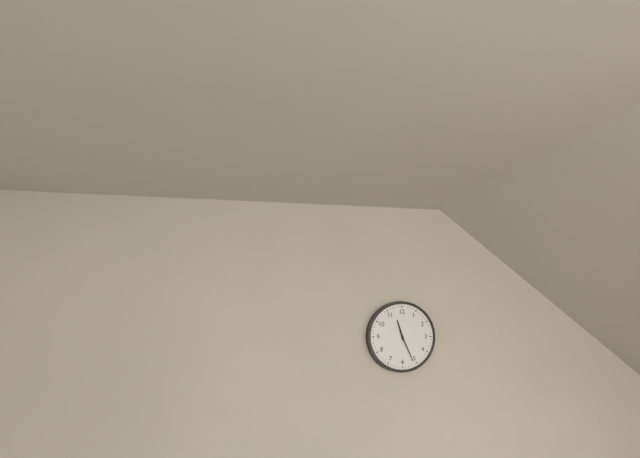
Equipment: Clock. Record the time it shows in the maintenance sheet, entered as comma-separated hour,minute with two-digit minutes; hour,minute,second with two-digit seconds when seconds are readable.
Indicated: 11,26
